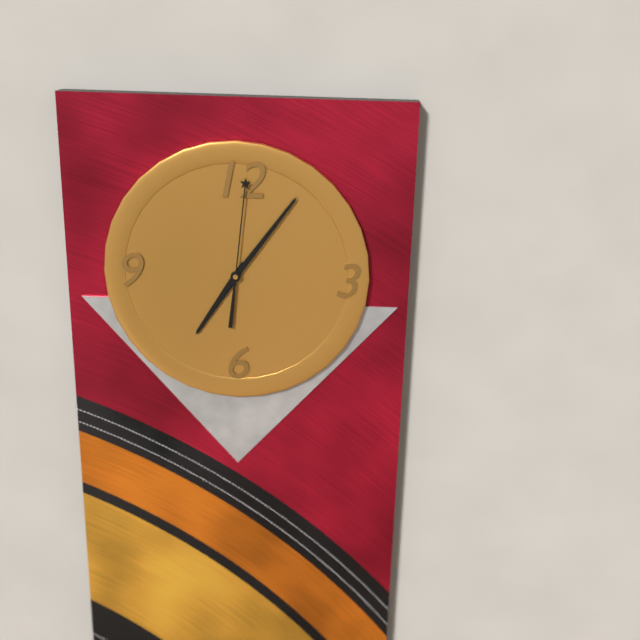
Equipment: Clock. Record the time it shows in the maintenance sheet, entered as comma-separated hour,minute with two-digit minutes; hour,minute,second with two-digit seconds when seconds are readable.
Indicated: 7,06,01
